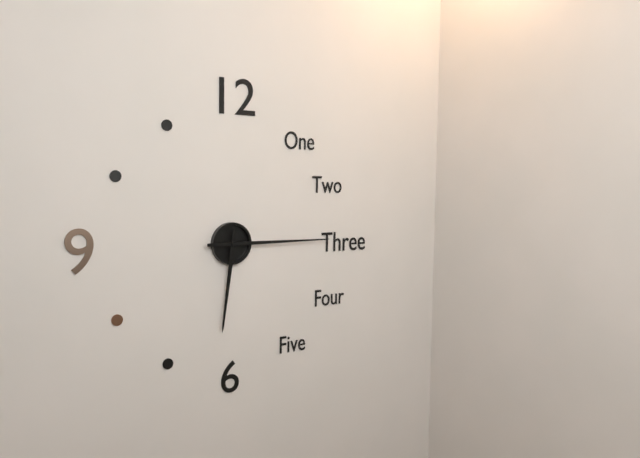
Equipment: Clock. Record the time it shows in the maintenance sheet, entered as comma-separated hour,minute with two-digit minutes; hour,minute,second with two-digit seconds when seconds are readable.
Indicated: 6,15
